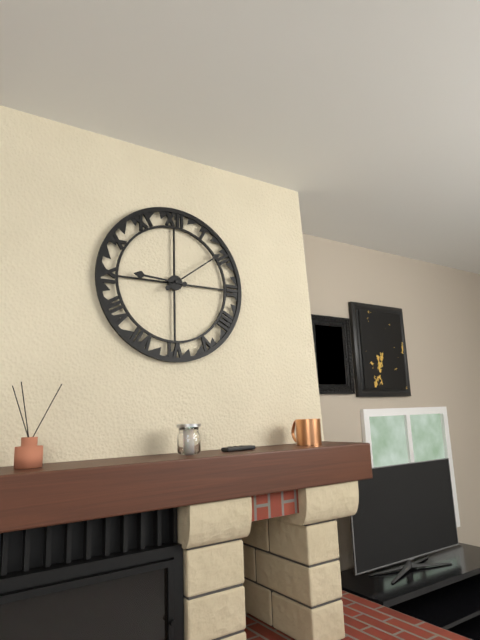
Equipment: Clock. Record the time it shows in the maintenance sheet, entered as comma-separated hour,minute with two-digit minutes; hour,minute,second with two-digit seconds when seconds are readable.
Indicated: 9,09
